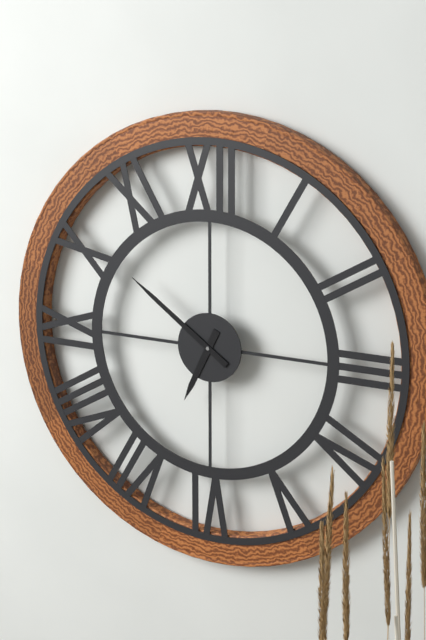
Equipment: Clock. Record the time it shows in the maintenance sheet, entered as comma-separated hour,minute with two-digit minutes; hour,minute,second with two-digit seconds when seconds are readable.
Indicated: 6,51
